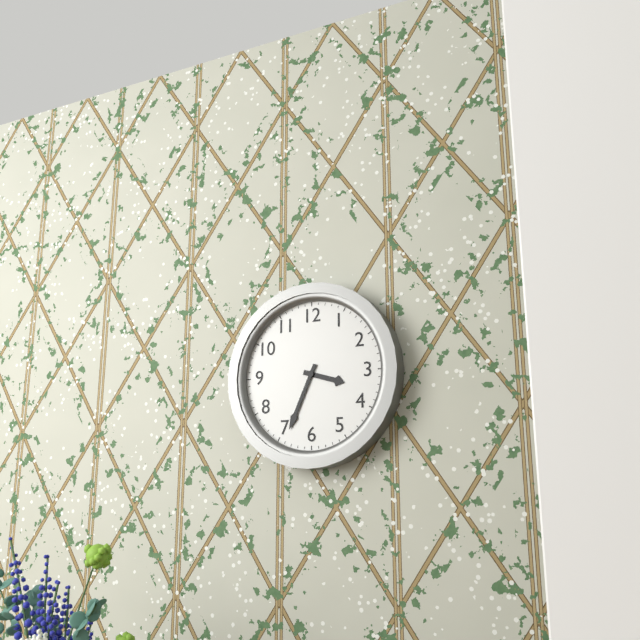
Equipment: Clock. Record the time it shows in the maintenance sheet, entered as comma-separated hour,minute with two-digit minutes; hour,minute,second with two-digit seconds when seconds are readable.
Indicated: 3,34
